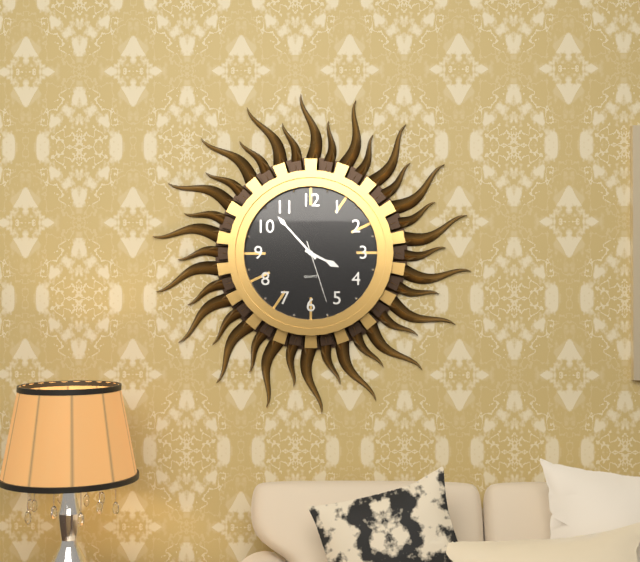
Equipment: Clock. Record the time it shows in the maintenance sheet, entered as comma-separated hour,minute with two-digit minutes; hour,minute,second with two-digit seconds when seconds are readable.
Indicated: 3,53,27
